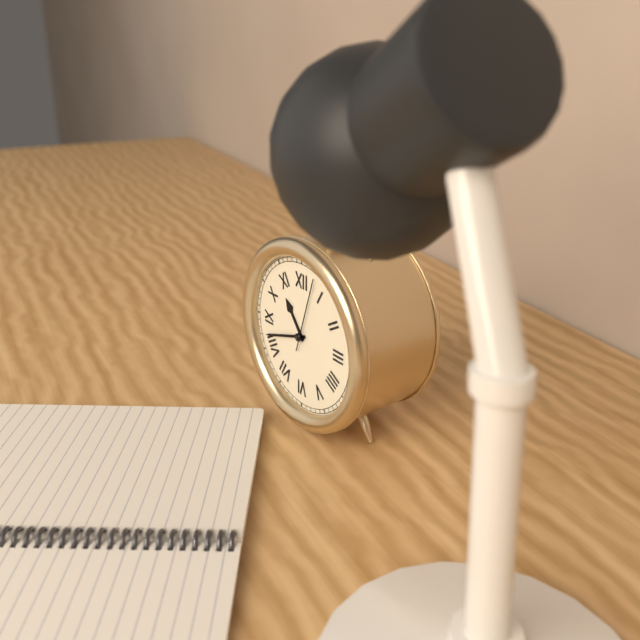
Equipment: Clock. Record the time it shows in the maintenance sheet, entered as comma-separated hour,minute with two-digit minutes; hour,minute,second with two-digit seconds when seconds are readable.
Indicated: 10,42,03
